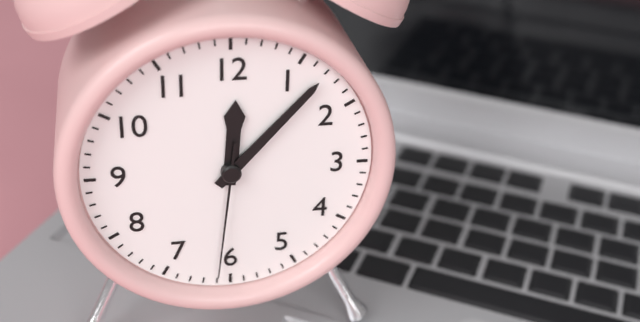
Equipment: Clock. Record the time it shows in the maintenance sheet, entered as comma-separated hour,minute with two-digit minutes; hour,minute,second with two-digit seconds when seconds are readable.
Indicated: 12,07,31
